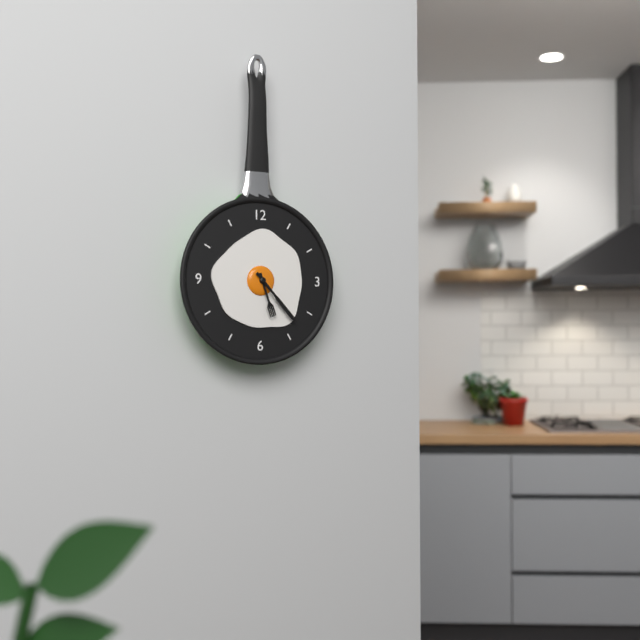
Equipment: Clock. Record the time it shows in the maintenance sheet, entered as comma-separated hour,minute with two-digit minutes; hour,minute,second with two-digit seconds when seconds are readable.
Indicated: 5,23
